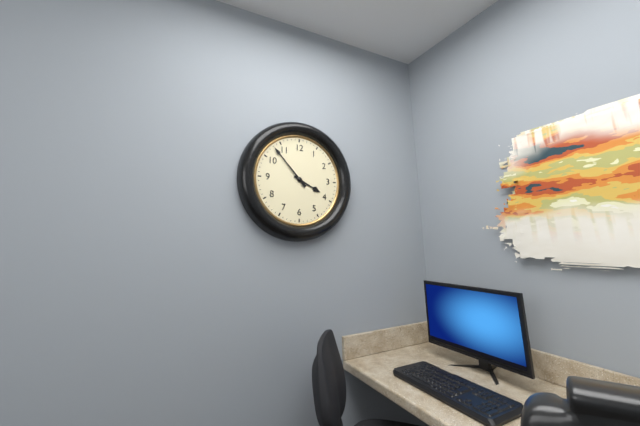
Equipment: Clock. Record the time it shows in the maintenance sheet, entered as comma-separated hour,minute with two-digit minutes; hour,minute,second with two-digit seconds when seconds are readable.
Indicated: 3,53
